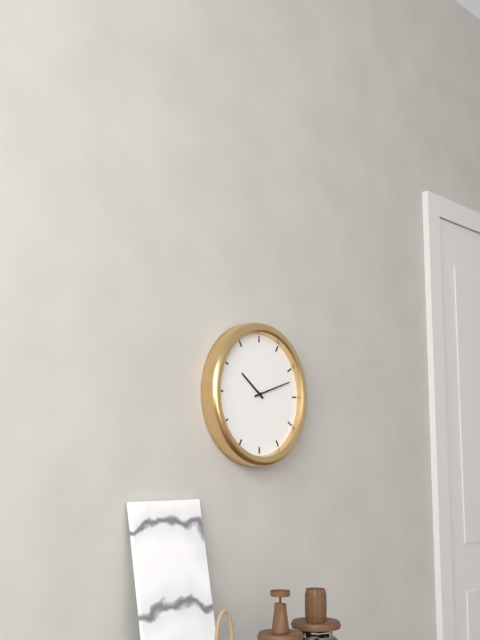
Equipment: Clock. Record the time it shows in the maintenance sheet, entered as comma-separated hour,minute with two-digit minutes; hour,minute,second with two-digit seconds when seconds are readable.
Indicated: 10,12
